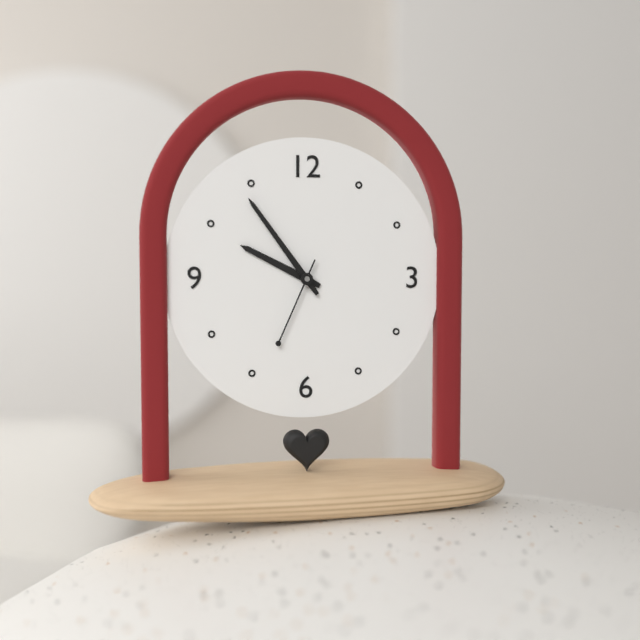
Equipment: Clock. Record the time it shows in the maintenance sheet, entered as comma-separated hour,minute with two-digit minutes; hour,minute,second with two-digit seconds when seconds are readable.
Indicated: 9,54,34
